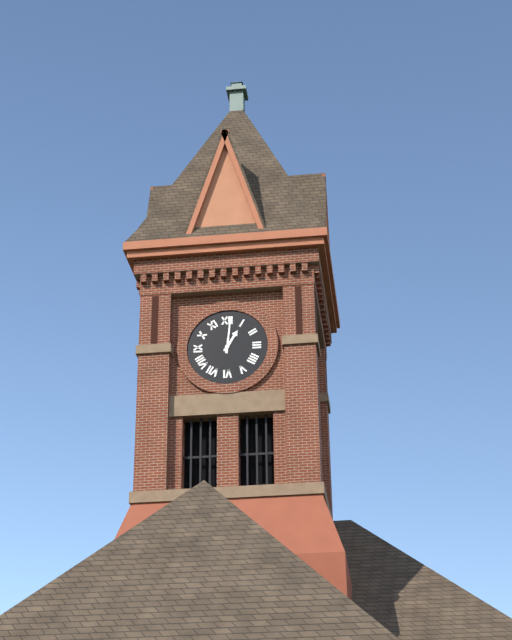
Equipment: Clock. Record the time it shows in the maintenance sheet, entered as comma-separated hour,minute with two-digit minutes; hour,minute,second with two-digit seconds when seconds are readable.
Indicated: 1,01
